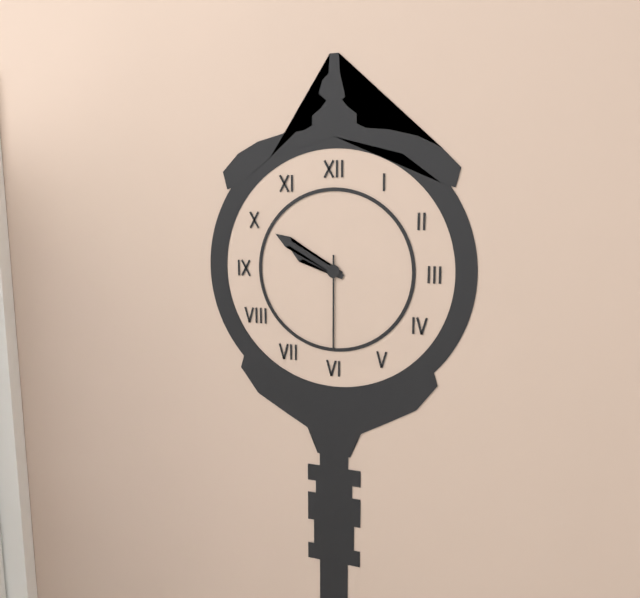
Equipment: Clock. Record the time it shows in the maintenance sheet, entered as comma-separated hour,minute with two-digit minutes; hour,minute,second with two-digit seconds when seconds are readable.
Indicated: 9,50,30
